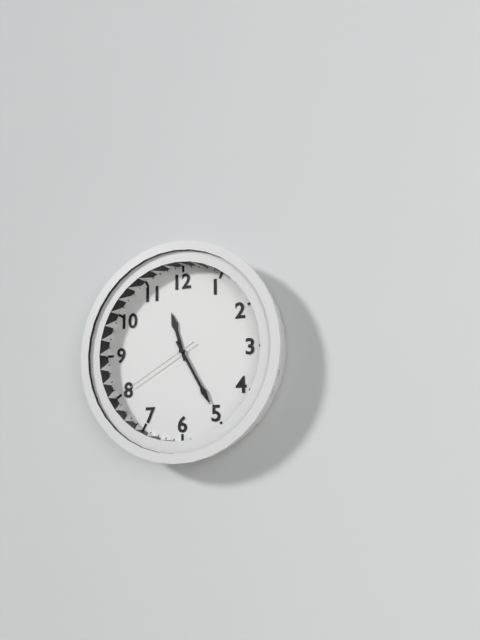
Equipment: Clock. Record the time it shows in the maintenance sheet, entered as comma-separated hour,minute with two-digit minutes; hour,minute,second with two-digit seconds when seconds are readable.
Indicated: 11,25,40
